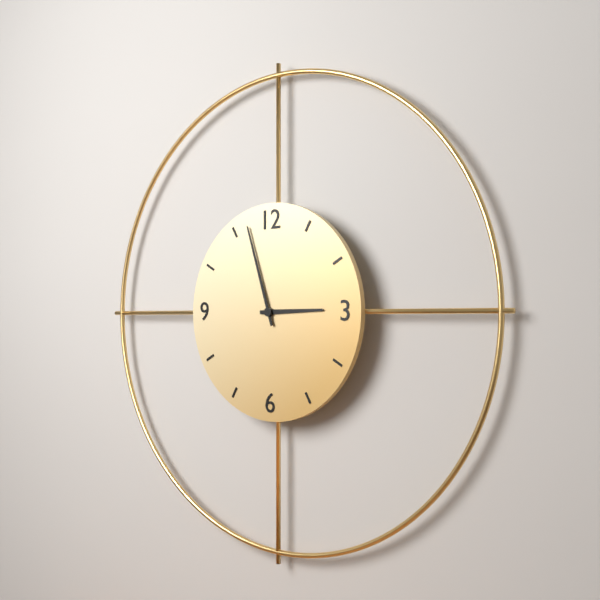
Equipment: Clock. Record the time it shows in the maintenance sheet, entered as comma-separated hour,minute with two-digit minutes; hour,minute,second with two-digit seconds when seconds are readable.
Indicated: 2,57
